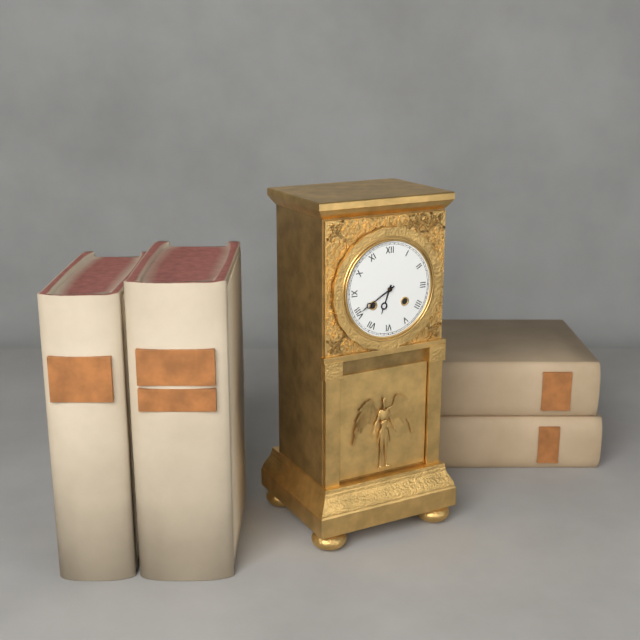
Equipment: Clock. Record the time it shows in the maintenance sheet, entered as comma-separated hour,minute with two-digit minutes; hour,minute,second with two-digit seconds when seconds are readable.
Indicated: 6,40
